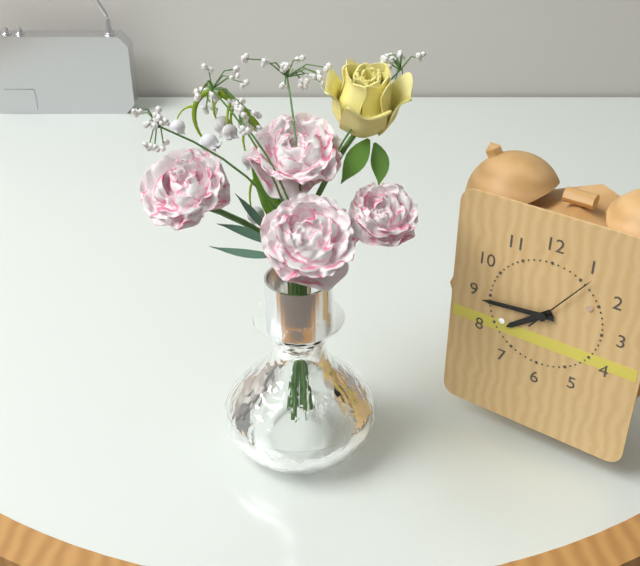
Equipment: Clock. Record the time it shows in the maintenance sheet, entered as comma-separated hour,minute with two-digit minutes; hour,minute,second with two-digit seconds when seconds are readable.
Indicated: 7,44,06
